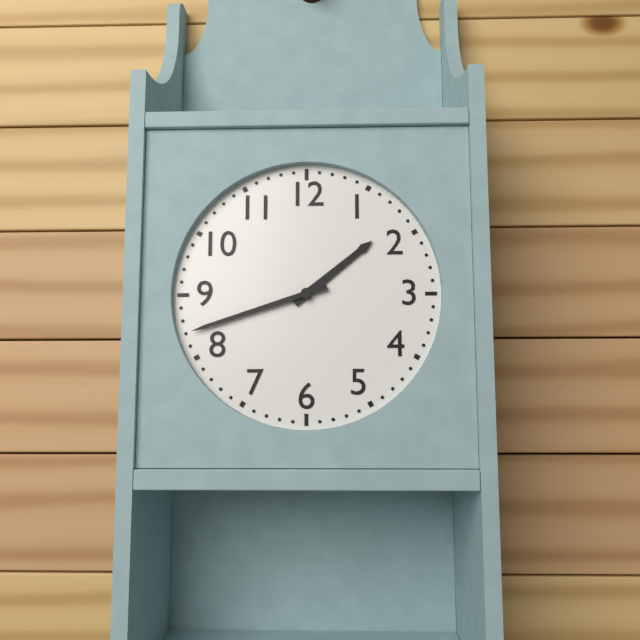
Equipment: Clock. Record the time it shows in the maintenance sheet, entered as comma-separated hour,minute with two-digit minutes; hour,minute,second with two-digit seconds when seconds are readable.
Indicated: 1,42
